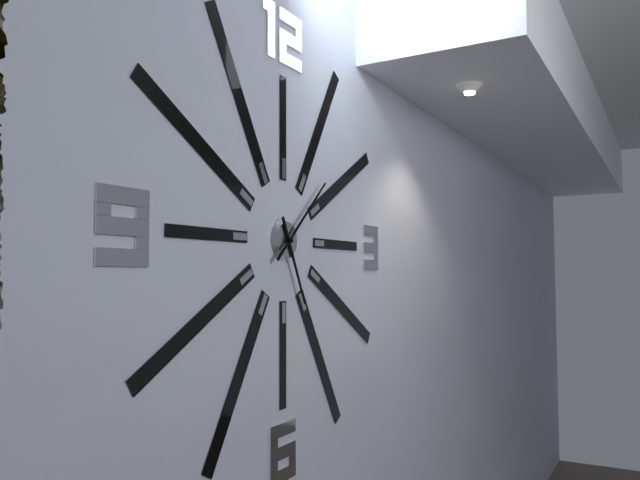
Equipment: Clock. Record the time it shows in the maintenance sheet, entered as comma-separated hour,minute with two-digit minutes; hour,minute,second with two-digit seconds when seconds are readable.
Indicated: 5,08
